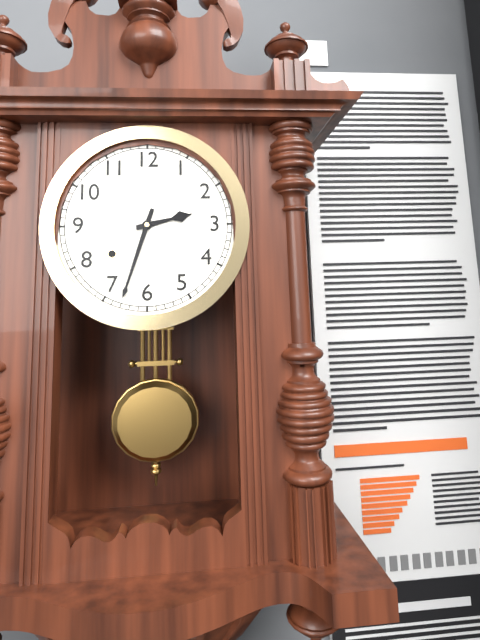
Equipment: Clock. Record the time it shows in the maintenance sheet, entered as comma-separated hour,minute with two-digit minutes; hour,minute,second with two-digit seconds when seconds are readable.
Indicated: 2,33
